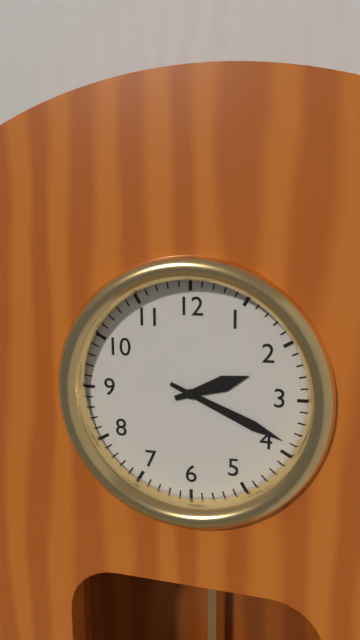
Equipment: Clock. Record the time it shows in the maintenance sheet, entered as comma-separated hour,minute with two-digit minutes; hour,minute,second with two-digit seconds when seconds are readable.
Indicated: 2,19
